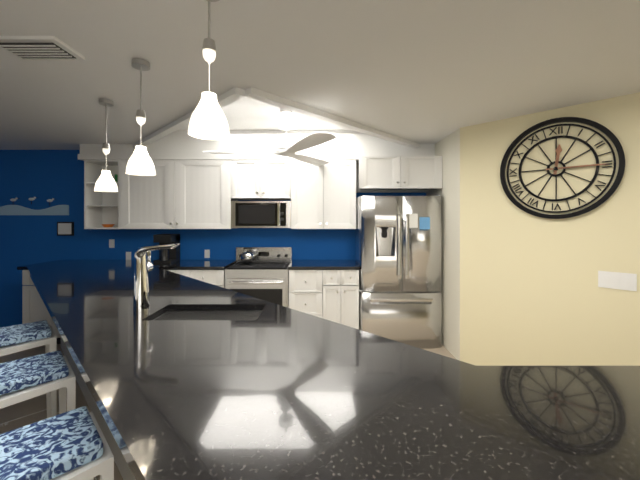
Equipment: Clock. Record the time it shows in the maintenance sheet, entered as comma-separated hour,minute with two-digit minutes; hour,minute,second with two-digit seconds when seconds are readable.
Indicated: 12,15
